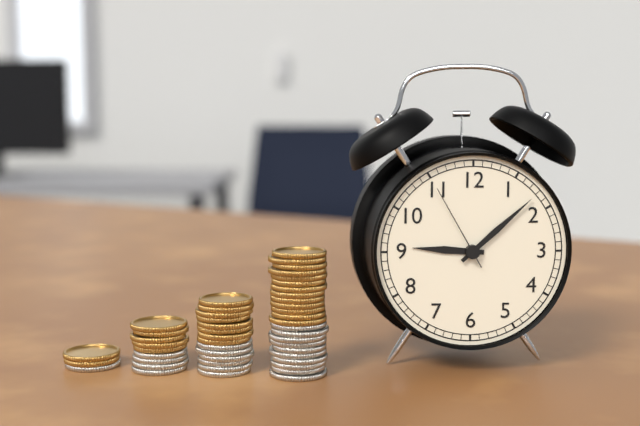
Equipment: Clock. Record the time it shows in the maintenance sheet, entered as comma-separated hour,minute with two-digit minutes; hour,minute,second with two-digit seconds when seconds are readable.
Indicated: 9,08,55
